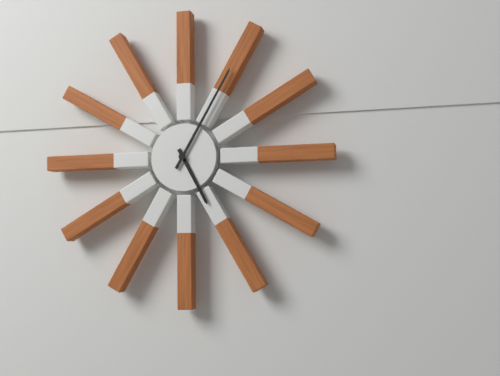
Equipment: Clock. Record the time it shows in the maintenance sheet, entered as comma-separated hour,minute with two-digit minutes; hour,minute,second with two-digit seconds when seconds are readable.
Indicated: 5,05
